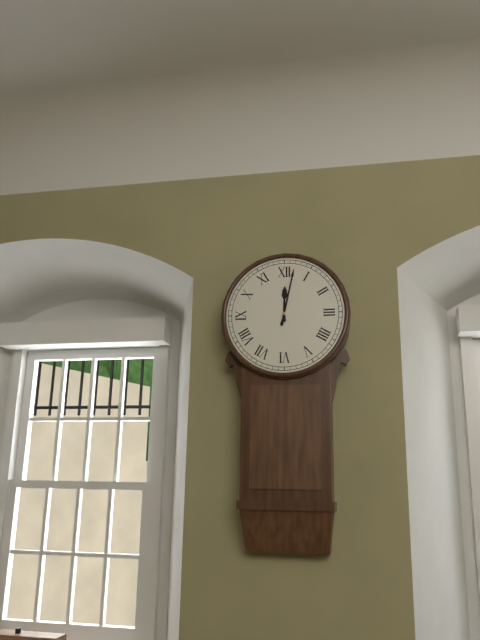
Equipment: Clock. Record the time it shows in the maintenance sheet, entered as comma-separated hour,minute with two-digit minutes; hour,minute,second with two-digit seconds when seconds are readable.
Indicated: 12,02
